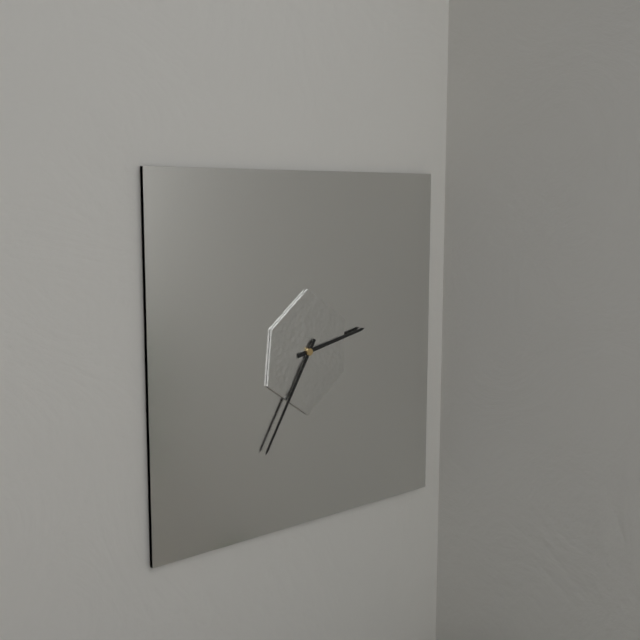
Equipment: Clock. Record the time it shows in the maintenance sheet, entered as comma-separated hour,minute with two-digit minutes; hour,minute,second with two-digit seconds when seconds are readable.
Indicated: 2,35
